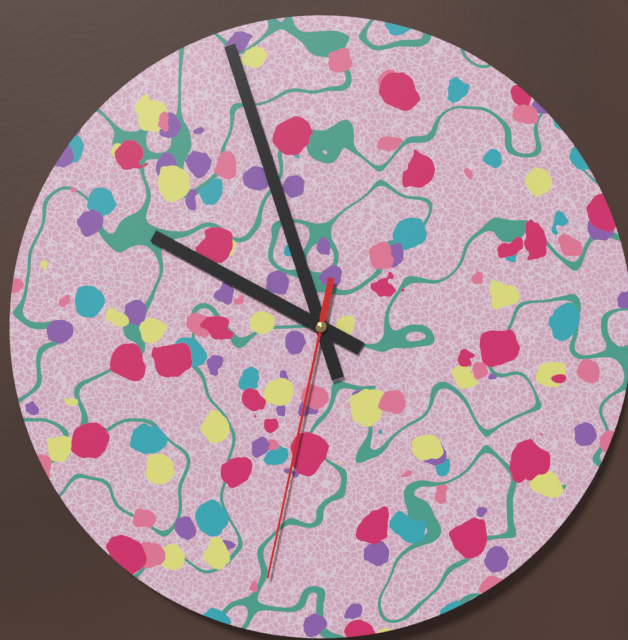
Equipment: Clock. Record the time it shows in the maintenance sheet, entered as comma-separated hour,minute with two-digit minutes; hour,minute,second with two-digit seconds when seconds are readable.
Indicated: 9,57,32
